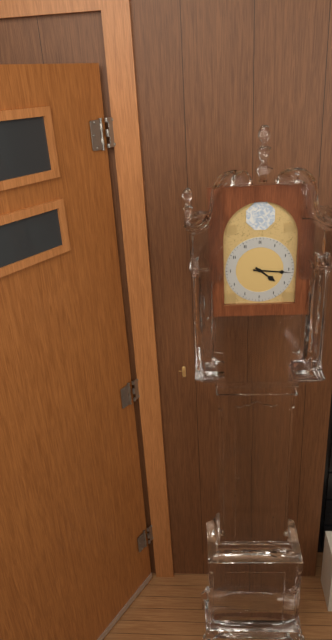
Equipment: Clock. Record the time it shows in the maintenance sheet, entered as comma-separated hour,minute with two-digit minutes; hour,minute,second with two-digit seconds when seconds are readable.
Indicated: 4,16
